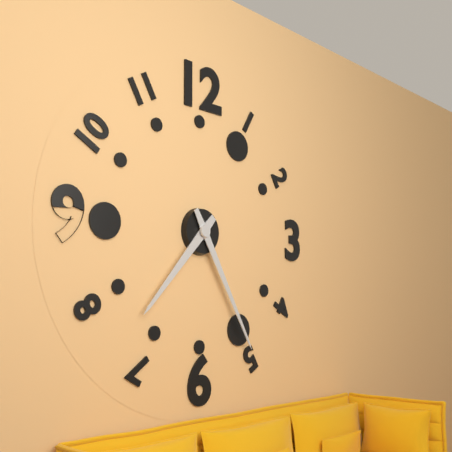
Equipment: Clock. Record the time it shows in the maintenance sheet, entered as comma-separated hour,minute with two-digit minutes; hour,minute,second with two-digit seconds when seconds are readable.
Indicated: 7,25
